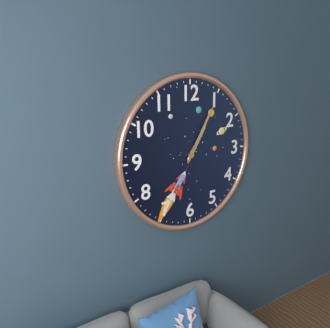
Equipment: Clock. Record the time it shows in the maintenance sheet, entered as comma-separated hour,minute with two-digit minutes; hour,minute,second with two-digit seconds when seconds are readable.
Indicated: 1,05
